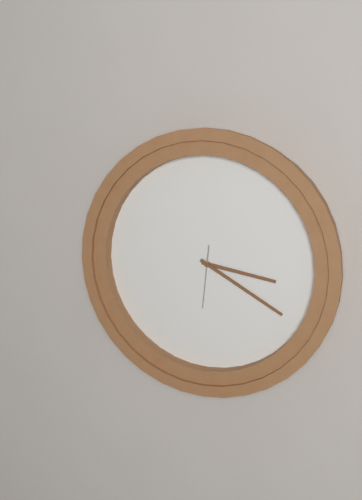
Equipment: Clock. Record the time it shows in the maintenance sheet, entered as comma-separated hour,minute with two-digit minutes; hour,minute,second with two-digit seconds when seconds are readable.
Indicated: 3,20,31
